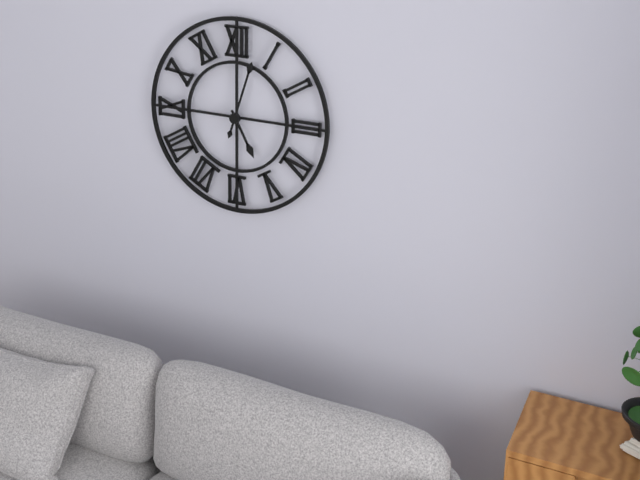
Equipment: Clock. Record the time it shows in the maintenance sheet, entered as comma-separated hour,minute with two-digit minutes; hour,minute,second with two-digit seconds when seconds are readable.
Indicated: 5,03
